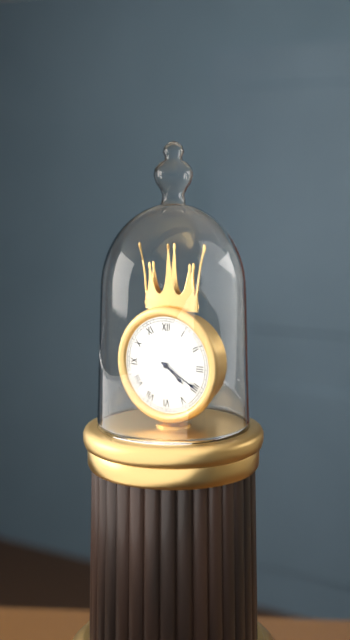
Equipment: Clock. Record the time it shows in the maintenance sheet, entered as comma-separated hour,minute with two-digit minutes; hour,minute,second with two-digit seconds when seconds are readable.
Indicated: 4,20
